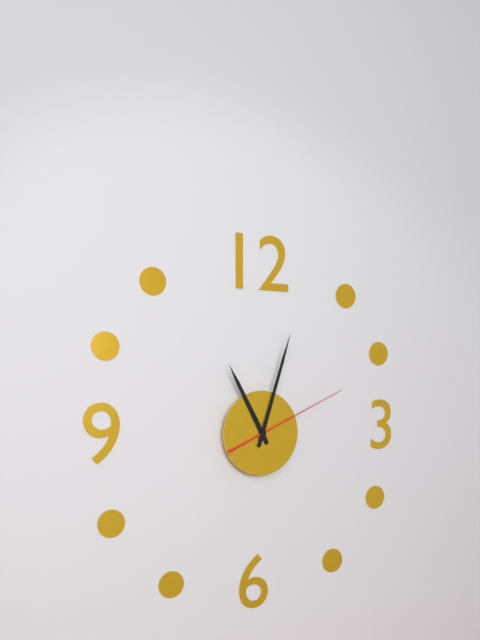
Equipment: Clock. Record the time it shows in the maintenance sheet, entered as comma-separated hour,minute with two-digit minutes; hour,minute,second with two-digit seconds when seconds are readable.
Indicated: 11,03,11
